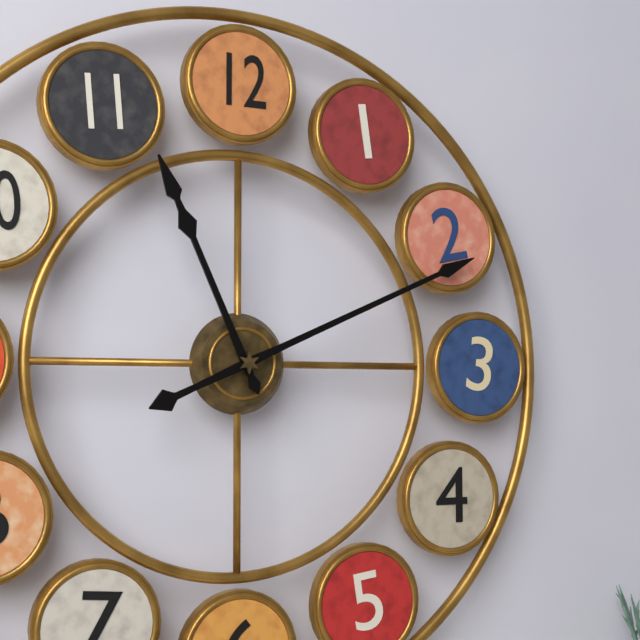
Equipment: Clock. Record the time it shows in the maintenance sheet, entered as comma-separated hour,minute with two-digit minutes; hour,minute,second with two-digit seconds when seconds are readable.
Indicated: 11,11
